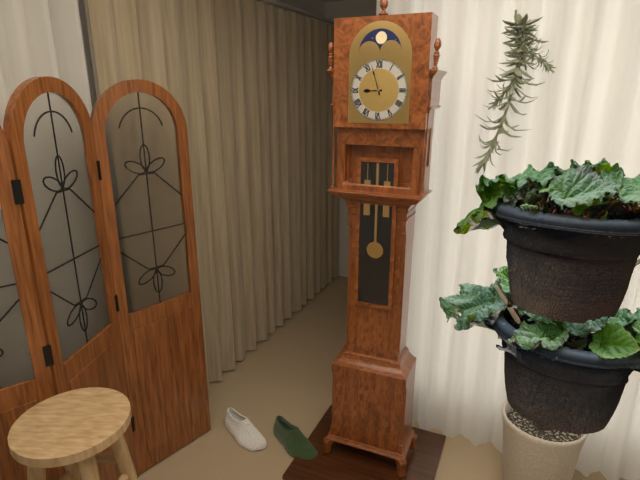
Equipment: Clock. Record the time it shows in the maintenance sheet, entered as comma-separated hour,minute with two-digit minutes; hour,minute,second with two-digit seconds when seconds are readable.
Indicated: 8,57
